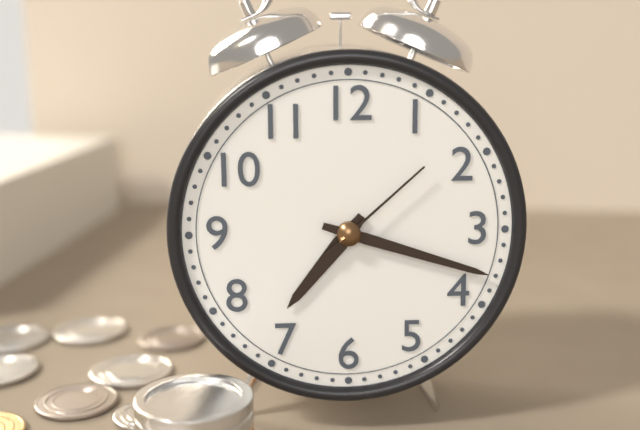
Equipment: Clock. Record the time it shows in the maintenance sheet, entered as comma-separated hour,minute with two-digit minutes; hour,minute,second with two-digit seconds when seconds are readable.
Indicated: 7,18,08
